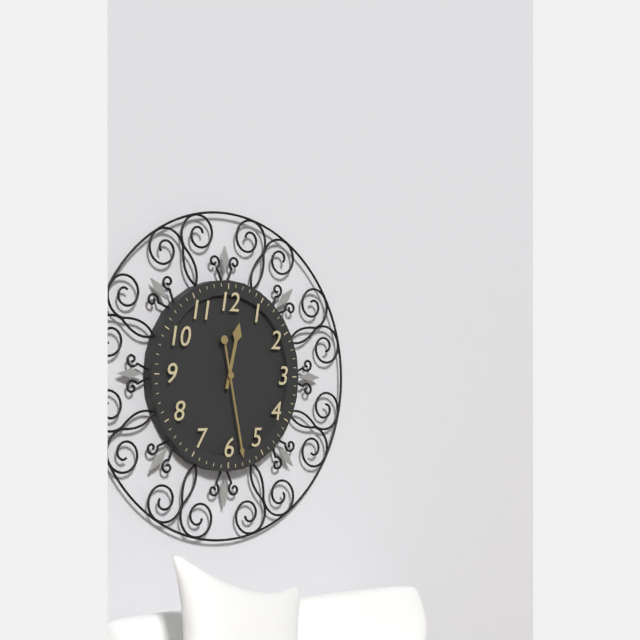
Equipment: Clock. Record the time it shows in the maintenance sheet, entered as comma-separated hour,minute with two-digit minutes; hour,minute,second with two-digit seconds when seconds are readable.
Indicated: 12,28
